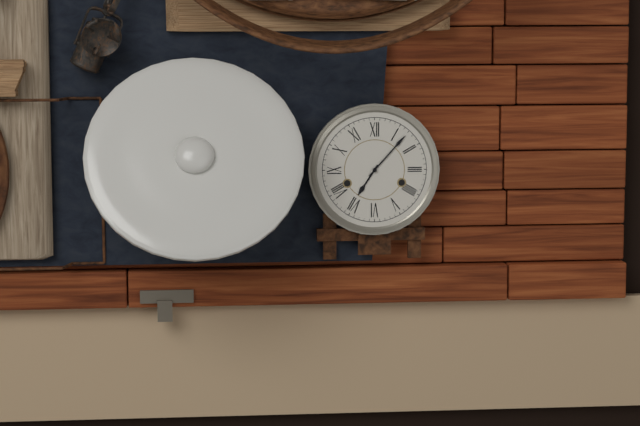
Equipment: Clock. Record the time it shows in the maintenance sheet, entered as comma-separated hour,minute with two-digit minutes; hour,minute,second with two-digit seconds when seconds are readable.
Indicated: 7,07
